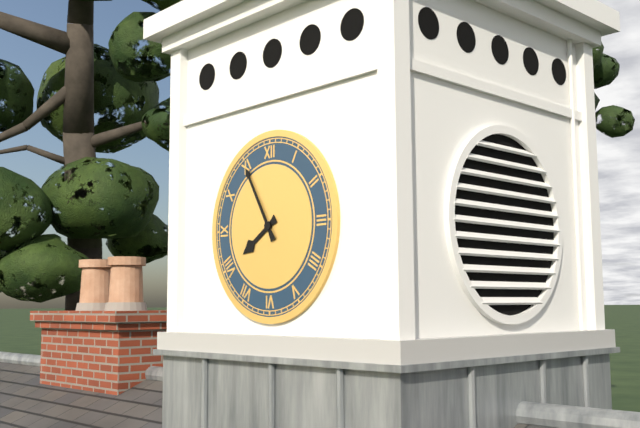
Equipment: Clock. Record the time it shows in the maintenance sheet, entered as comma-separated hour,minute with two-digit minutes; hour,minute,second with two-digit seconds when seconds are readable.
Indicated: 7,55
